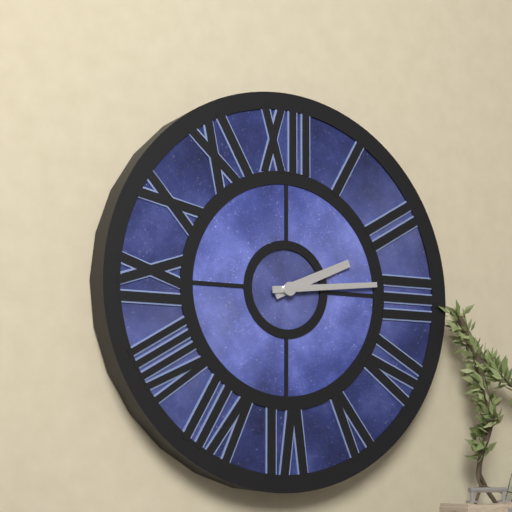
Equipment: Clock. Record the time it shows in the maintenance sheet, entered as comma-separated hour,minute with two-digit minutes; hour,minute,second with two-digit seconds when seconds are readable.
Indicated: 2,14
